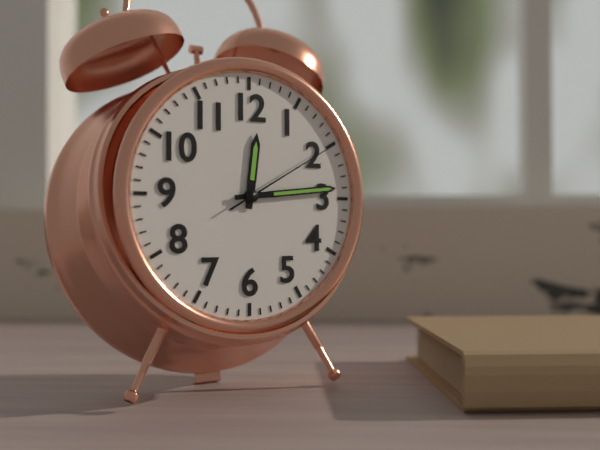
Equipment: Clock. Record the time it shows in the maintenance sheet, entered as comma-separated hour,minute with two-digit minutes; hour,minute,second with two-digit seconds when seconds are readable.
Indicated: 12,14,10
